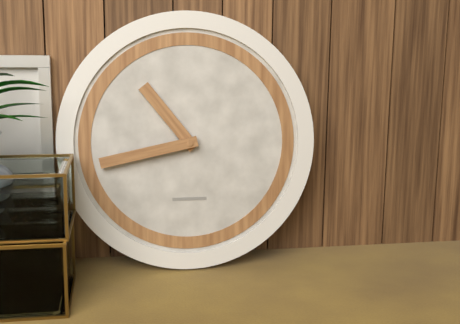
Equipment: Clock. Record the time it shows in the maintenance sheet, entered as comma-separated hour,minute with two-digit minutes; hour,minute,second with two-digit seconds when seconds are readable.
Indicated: 10,43
